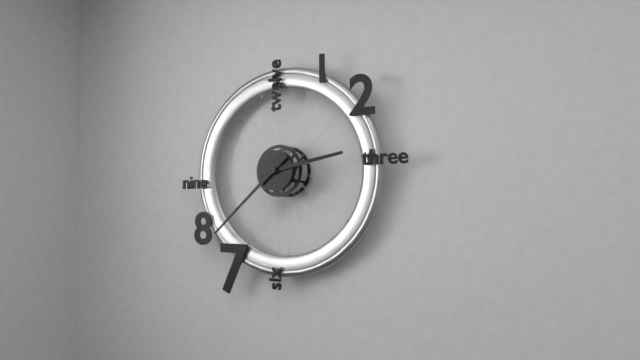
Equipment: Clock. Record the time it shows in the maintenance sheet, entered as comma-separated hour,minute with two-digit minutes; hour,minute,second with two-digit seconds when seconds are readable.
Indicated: 2,38
